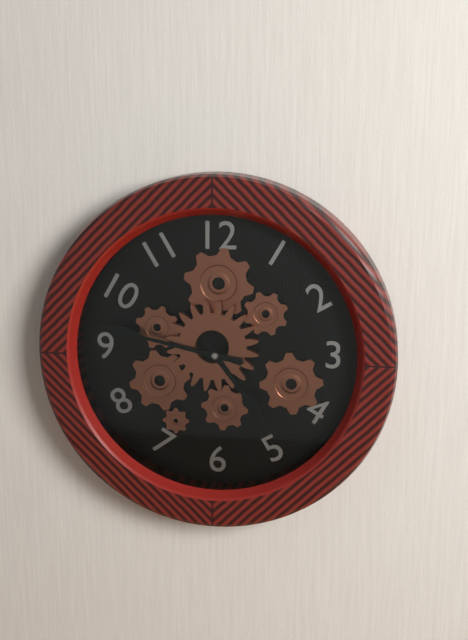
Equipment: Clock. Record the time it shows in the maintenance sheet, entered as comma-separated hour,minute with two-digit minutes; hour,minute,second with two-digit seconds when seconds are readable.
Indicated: 4,47
